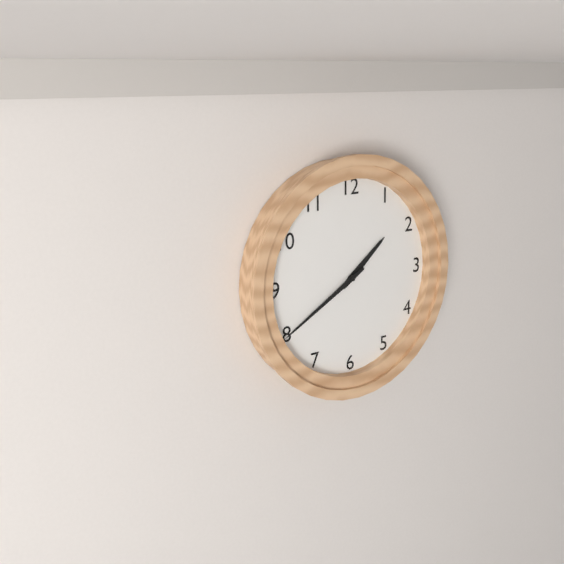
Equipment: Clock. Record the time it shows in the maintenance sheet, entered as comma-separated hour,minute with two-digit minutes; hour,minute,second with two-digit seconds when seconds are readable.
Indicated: 1,40
